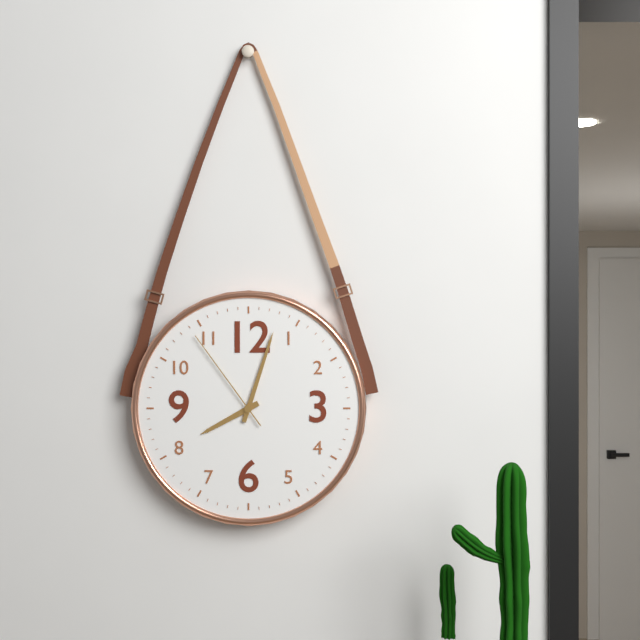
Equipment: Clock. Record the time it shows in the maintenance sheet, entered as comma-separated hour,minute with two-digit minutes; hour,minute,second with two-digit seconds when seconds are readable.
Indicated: 8,03,54
